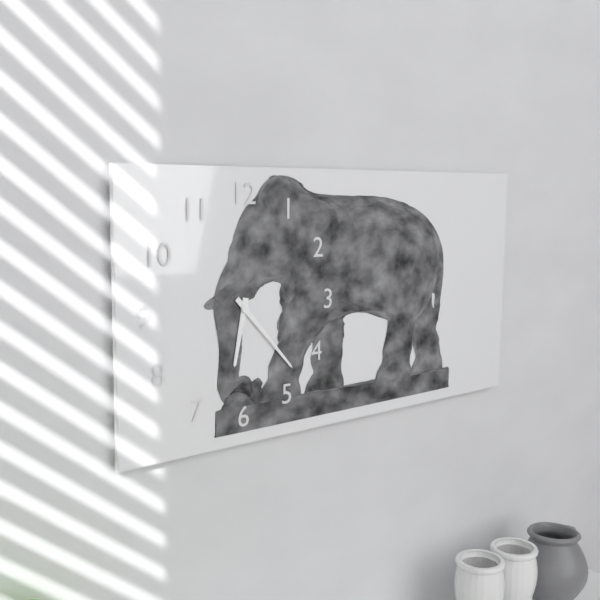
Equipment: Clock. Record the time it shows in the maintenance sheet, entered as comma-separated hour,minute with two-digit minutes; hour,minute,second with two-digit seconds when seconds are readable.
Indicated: 6,23
